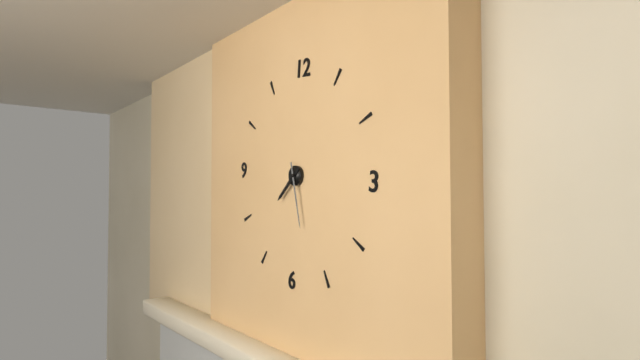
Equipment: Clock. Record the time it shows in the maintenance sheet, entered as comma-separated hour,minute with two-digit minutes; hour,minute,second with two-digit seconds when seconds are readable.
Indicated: 7,27
